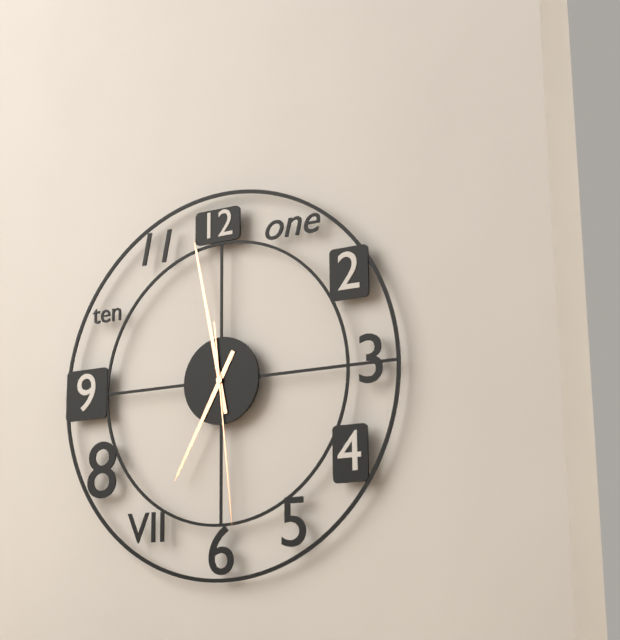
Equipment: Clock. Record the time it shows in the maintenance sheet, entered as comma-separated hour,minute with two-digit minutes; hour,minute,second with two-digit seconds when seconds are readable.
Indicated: 6,58,29
